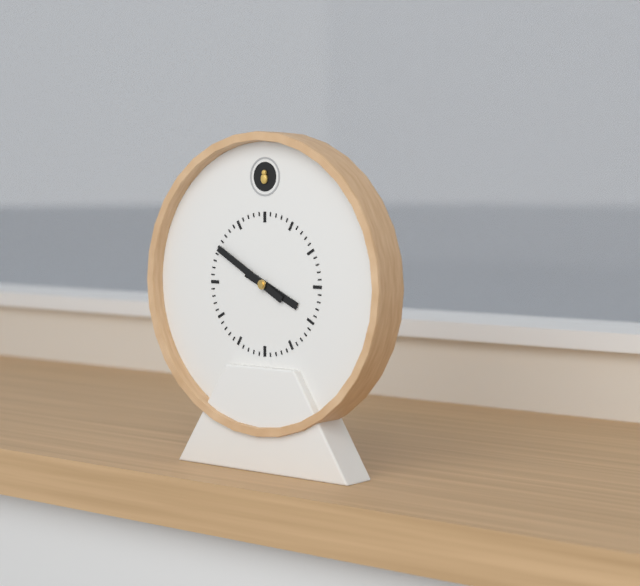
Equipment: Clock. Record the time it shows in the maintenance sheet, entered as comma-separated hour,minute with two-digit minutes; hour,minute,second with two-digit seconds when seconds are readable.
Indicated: 3,50
